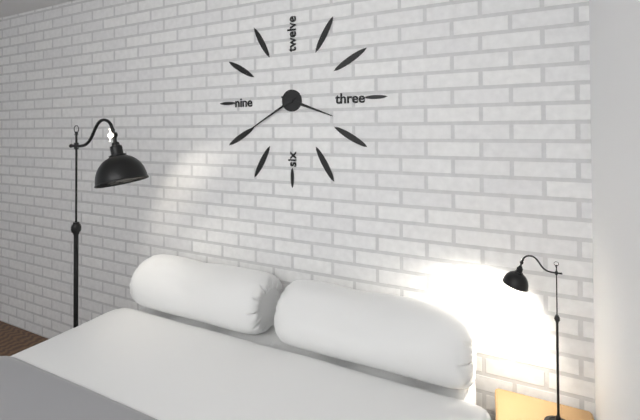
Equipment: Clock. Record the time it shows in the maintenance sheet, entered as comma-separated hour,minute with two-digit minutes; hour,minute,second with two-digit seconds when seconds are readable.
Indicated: 3,40
